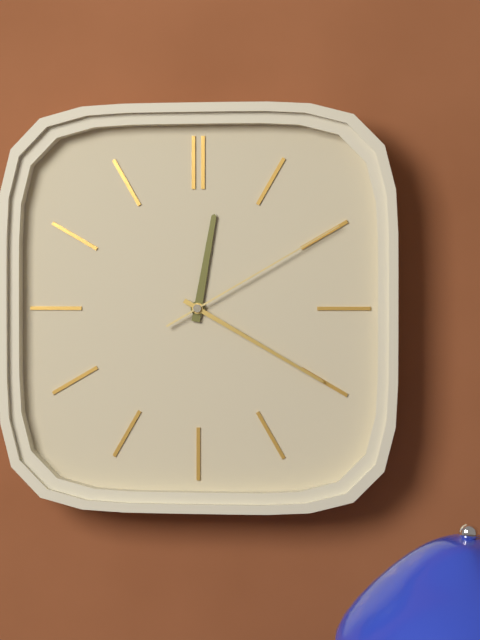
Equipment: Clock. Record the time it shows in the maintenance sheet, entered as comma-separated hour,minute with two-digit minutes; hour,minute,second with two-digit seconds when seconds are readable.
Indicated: 12,20,10
